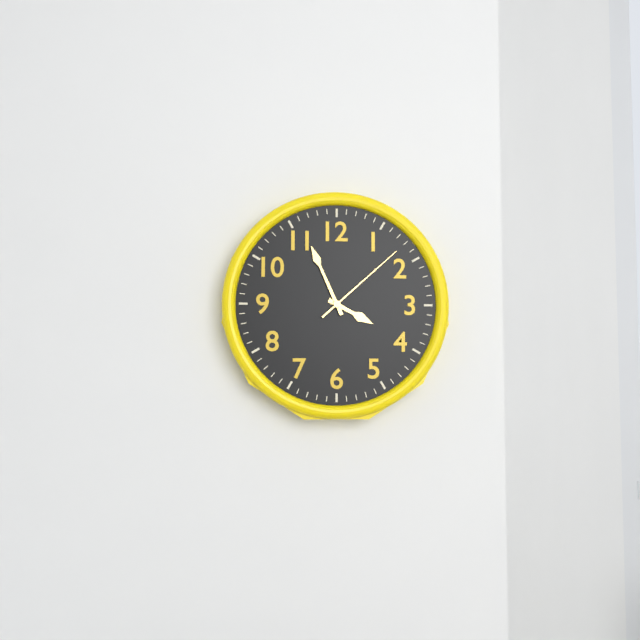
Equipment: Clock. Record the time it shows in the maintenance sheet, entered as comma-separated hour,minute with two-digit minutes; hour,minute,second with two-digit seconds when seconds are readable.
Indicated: 3,56,08
